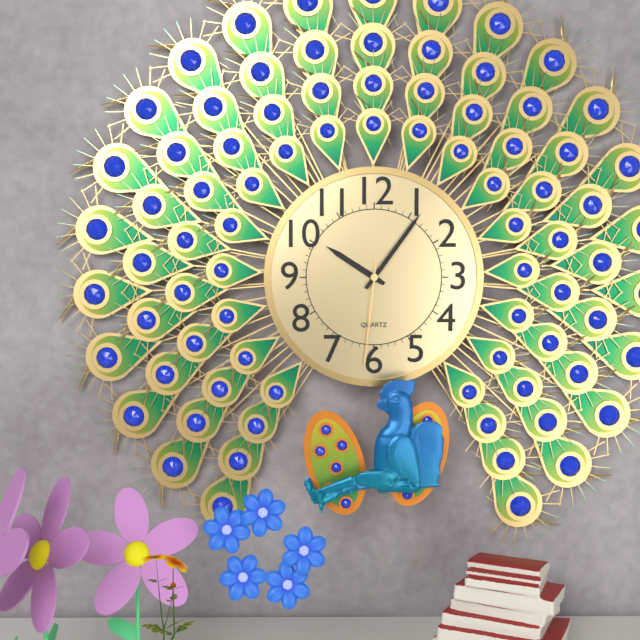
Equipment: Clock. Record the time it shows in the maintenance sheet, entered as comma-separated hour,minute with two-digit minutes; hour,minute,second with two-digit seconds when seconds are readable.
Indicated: 10,06,31
